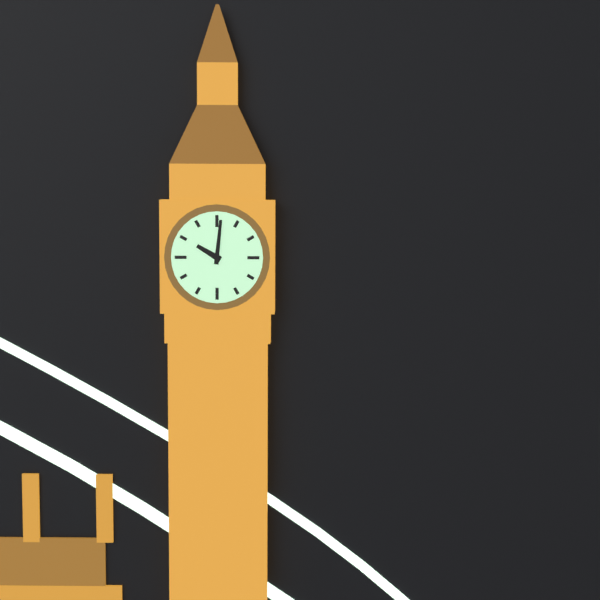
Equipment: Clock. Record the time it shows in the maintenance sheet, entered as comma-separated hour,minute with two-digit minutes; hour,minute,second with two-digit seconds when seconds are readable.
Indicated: 10,01
